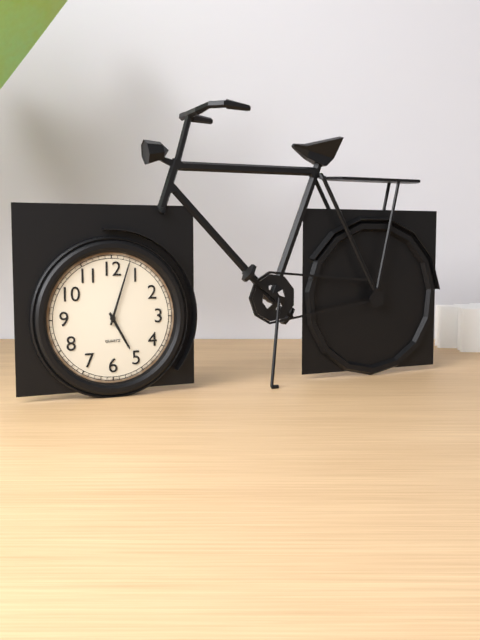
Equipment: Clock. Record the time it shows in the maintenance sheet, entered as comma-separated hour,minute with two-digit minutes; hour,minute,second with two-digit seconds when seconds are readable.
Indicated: 5,03
